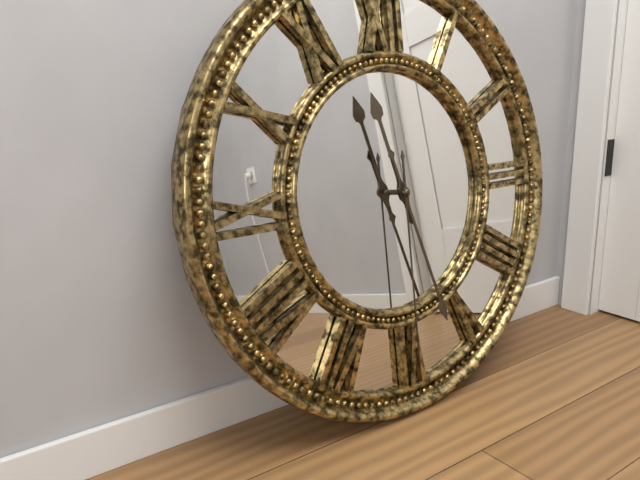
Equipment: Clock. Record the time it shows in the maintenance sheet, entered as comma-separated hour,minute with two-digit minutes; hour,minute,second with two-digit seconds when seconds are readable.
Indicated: 11,27,30
